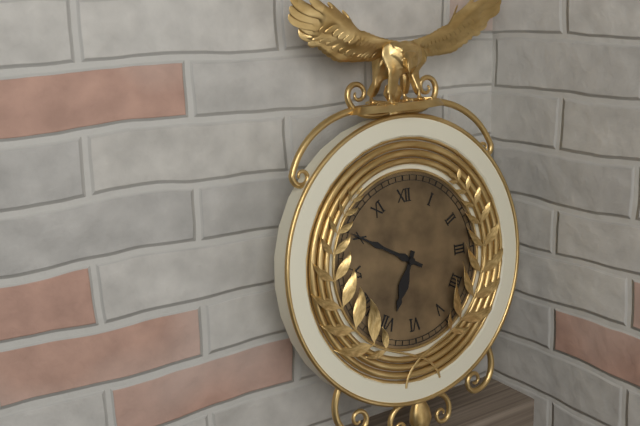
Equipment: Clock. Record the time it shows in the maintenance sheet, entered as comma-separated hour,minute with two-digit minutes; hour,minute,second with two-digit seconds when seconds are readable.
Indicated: 6,50
